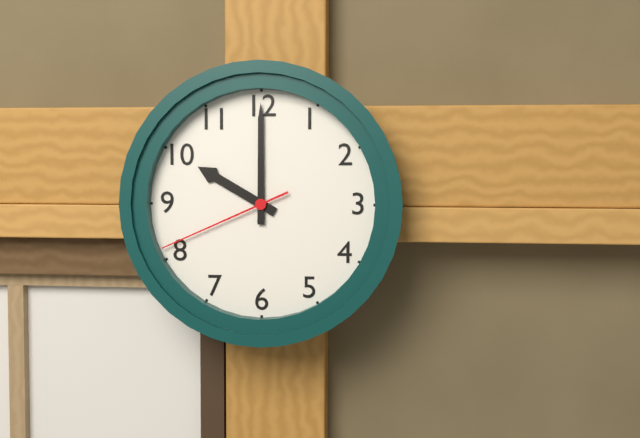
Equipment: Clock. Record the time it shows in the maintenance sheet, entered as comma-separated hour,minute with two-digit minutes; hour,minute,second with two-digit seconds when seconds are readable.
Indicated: 10,00,41
